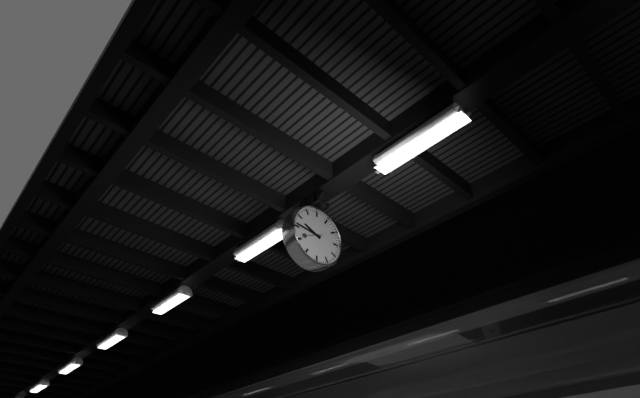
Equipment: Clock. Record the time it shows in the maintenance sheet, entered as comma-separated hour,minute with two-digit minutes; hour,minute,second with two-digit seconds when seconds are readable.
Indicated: 9,46
